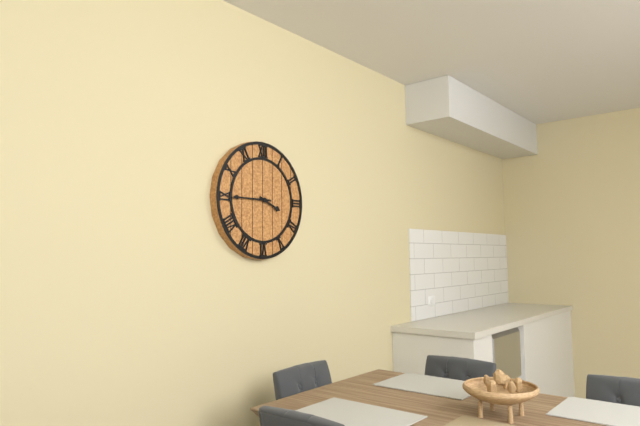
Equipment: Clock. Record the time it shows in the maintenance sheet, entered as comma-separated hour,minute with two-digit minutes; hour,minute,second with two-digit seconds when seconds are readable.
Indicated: 3,45
